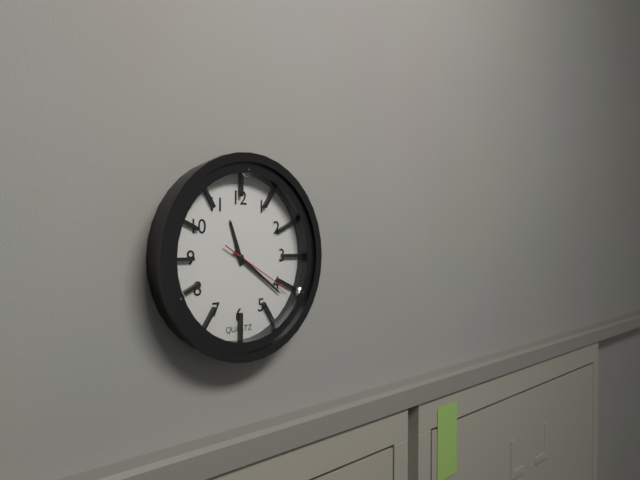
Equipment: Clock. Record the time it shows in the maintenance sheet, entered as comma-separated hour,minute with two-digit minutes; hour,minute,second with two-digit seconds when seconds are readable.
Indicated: 11,21,20
